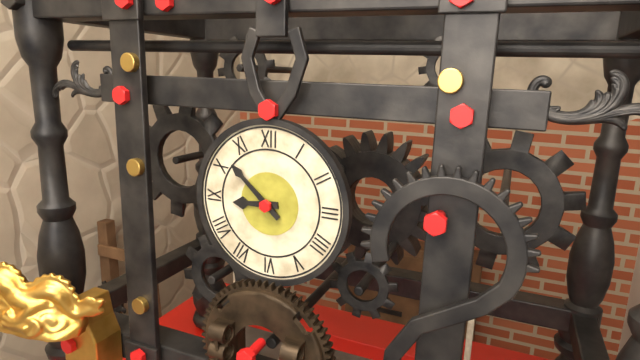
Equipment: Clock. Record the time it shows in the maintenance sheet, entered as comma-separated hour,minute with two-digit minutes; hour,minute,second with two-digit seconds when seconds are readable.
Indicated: 8,52
